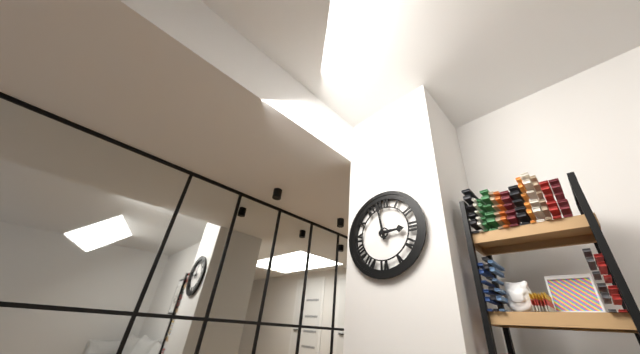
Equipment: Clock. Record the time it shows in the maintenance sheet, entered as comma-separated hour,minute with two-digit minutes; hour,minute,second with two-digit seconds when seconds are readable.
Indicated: 2,58
